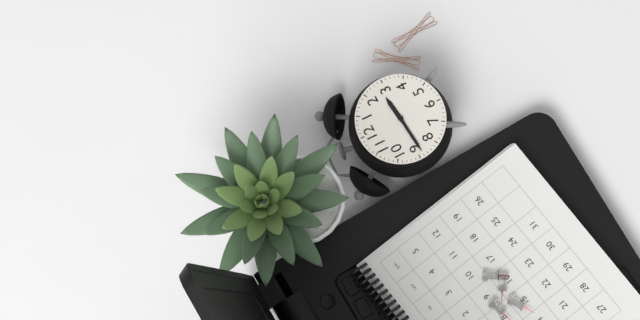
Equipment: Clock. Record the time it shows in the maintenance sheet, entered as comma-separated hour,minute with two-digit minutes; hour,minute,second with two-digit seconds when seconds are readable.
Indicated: 2,44
